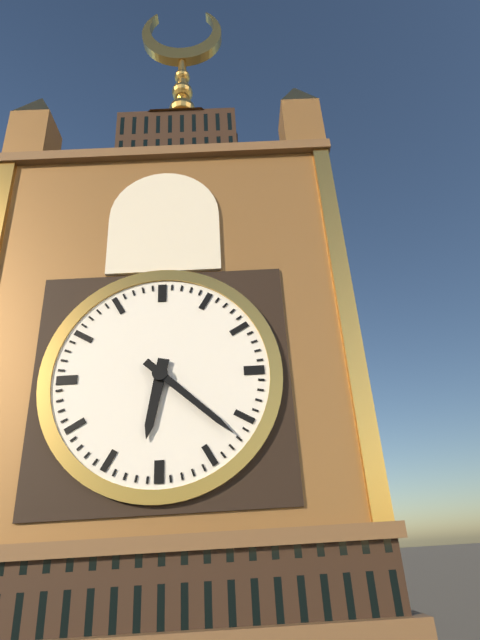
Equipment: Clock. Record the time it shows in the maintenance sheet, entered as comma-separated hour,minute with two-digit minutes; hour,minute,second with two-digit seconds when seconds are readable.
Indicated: 6,22
